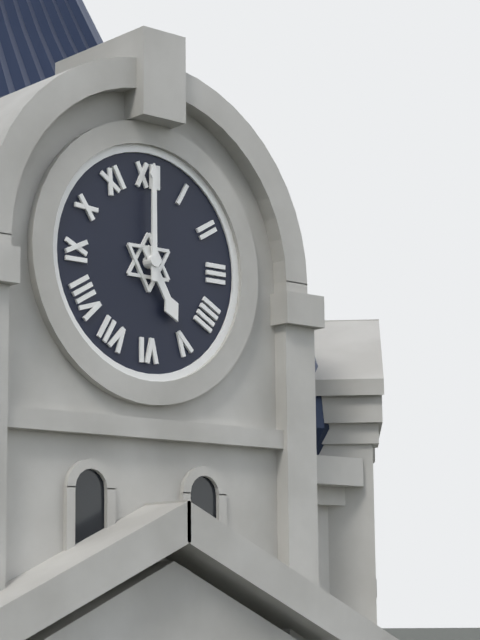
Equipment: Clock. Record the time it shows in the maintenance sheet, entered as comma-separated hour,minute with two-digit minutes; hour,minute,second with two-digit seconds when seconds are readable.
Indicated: 5,00
